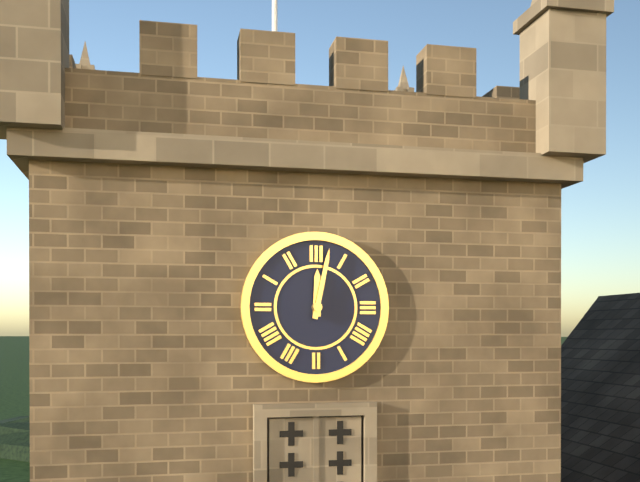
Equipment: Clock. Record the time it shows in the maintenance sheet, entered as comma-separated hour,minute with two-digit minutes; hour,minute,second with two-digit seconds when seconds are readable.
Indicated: 12,02
